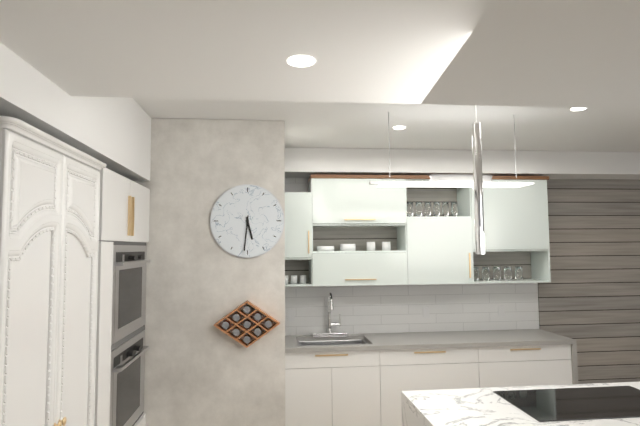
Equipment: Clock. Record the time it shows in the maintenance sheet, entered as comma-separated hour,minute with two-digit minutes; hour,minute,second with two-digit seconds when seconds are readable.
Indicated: 5,31
